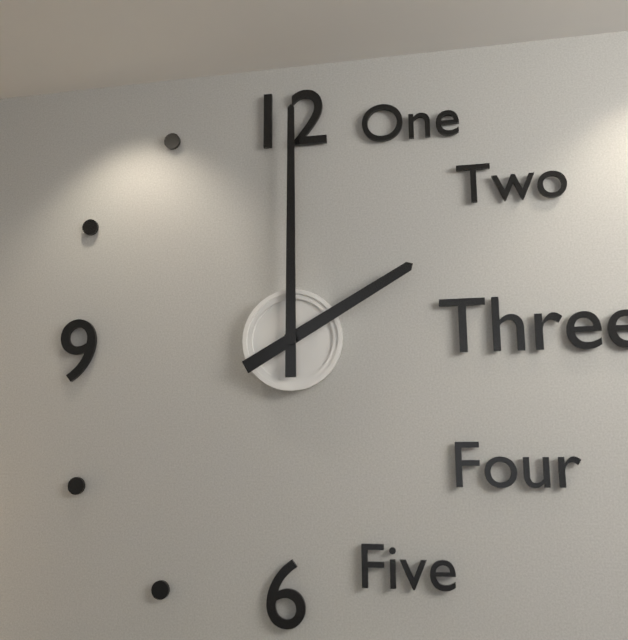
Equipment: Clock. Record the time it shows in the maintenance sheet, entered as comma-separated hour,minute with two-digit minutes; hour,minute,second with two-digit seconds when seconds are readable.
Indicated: 2,00
